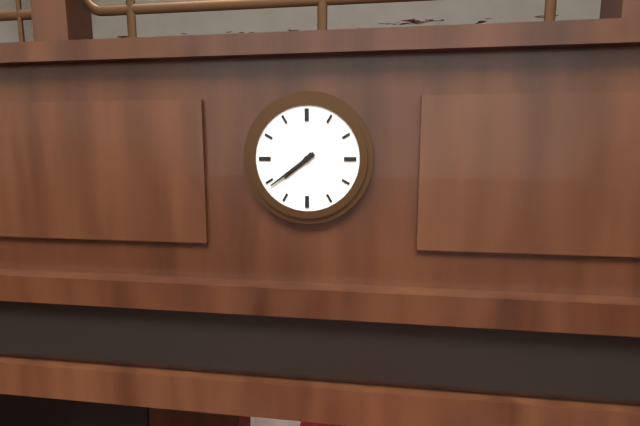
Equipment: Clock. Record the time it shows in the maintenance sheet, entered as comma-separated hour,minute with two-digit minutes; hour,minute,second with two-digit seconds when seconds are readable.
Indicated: 7,39
